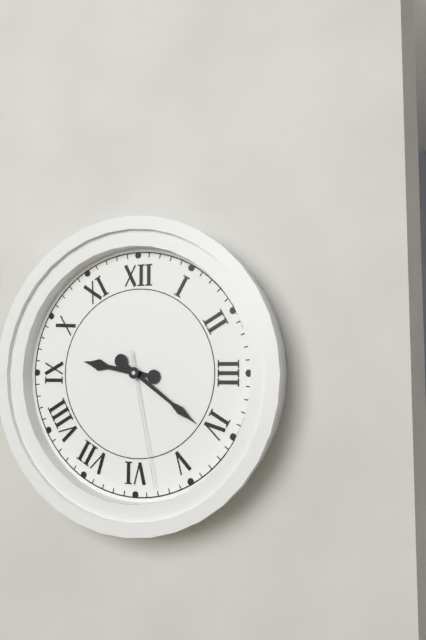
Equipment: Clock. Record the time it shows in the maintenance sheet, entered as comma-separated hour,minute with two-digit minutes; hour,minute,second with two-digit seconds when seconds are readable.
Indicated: 9,21,28
